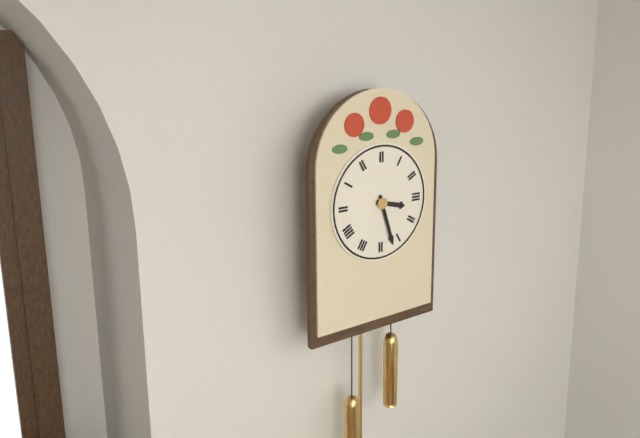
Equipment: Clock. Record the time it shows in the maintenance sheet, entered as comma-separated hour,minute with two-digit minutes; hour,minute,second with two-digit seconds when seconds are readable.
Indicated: 3,27
